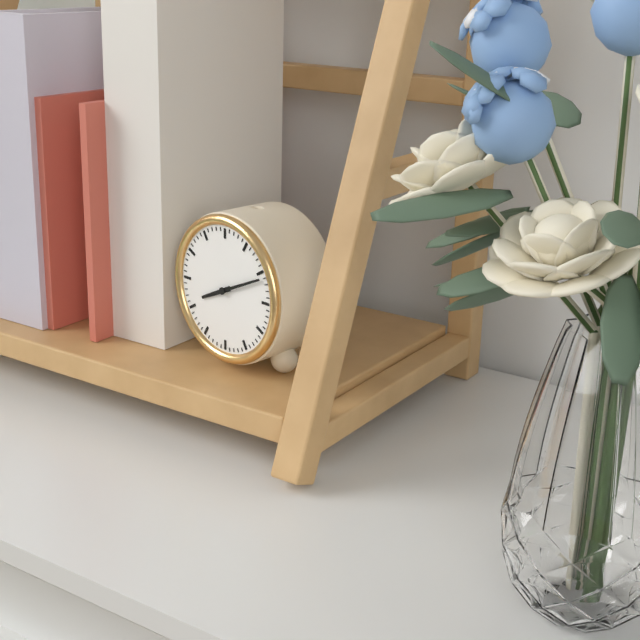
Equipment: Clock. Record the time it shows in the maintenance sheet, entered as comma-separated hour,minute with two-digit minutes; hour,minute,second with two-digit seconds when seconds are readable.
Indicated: 8,11
